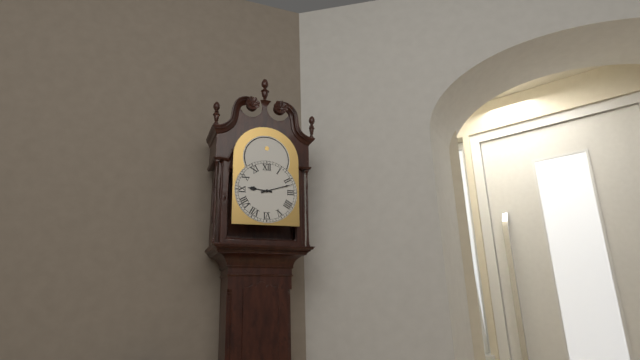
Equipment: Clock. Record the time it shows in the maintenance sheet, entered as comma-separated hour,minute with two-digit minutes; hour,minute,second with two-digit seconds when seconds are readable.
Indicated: 9,12
